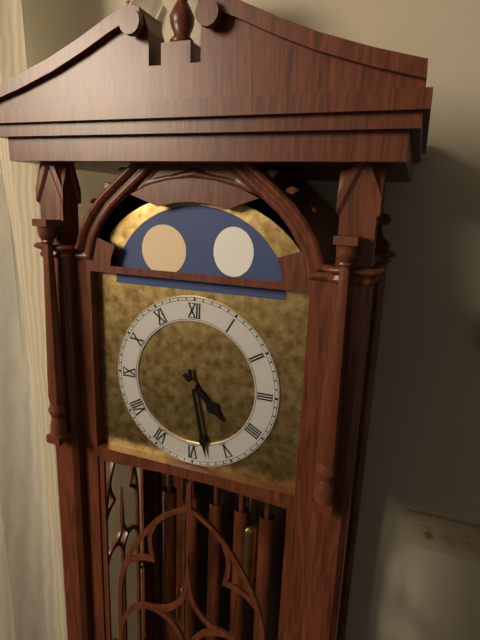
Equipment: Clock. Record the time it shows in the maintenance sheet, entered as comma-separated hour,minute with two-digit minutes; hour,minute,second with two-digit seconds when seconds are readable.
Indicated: 4,28
